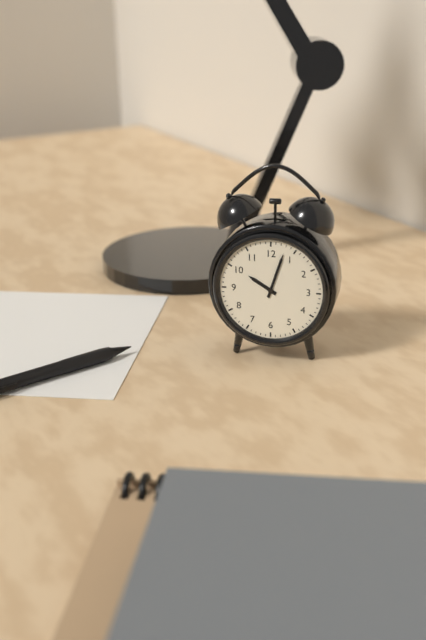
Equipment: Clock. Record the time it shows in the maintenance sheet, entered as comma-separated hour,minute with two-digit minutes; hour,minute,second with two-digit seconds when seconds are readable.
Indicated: 10,03
